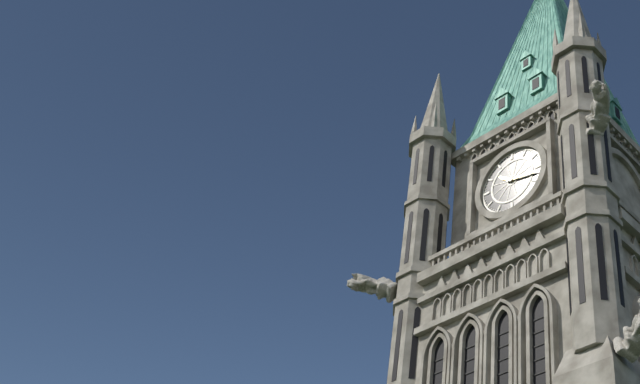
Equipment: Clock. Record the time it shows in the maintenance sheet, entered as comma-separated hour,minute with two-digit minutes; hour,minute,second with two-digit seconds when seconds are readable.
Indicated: 10,17
